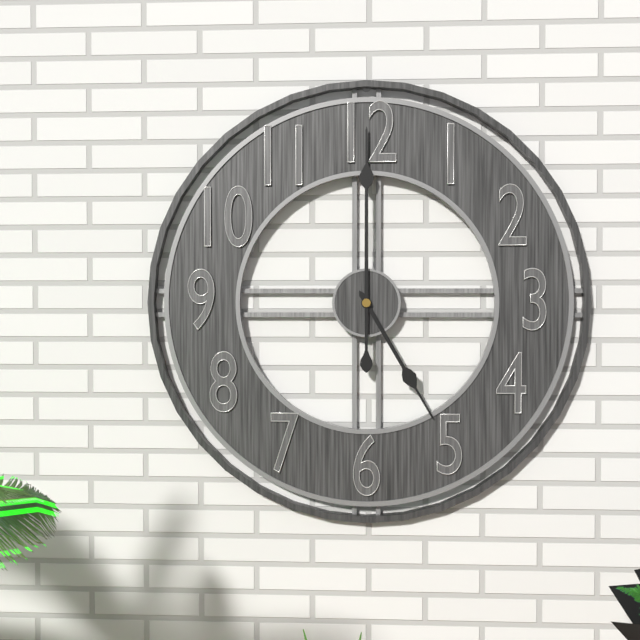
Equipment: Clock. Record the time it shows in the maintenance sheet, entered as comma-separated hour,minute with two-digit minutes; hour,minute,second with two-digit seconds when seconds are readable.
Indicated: 5,00
